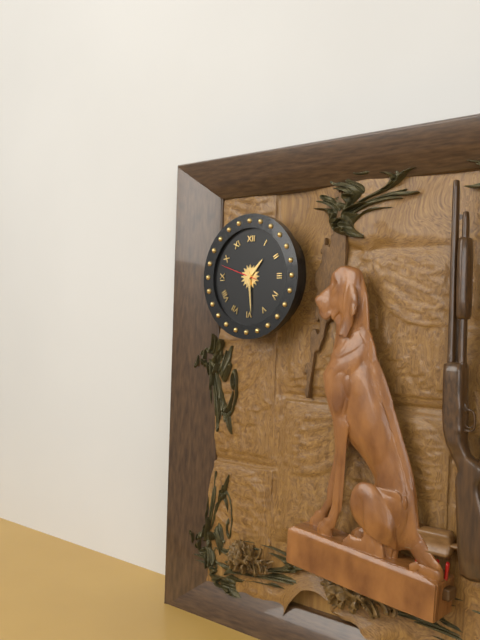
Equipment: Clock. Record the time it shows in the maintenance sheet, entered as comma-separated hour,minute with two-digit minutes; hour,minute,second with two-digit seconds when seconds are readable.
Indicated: 1,29
